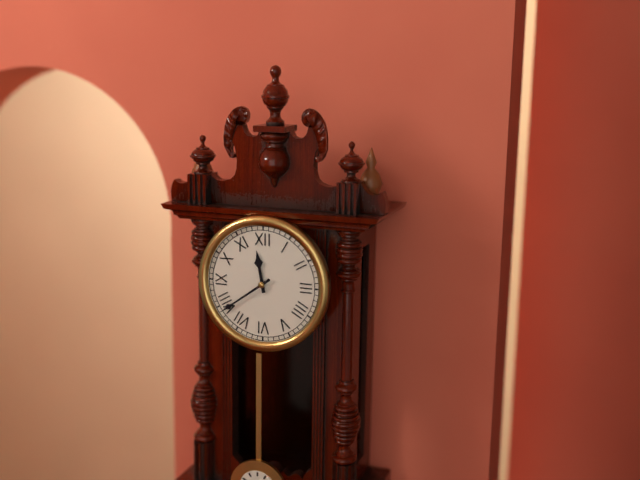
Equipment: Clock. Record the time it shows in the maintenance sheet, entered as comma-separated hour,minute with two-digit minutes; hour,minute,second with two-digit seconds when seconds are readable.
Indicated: 11,39
